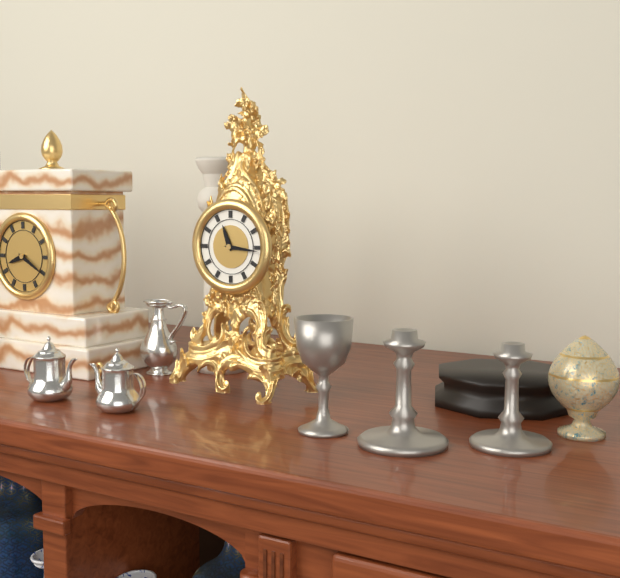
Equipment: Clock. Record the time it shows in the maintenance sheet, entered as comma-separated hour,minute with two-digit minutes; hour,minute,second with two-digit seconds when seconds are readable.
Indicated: 11,16
